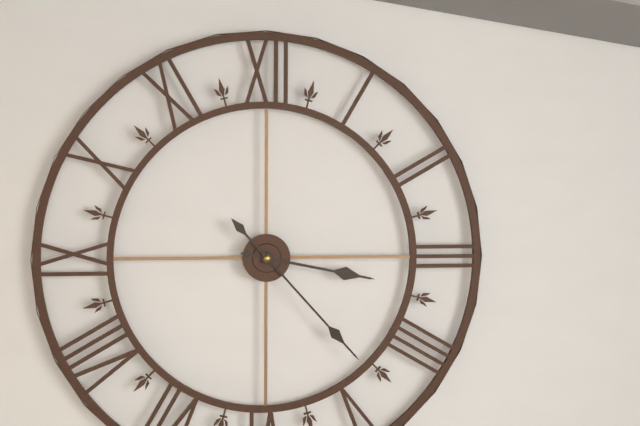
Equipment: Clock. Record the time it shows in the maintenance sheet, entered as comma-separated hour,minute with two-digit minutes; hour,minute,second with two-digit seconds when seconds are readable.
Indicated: 3,23
